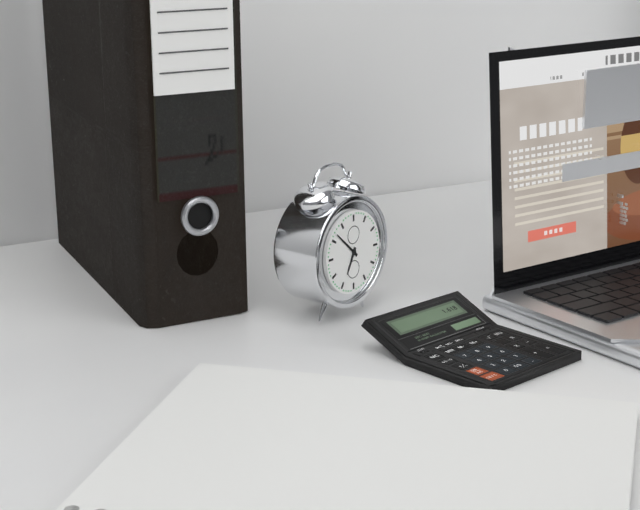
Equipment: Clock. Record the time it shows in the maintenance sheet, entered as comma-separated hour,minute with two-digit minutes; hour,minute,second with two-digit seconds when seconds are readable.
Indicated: 6,52
